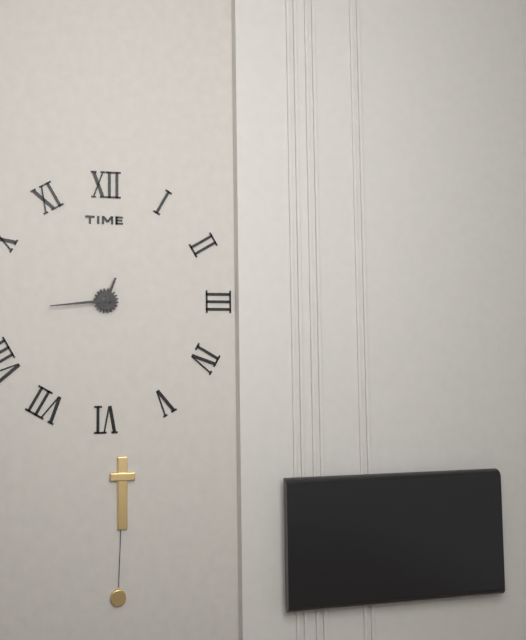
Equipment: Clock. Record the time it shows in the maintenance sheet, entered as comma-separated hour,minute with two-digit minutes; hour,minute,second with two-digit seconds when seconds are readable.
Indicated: 12,44
